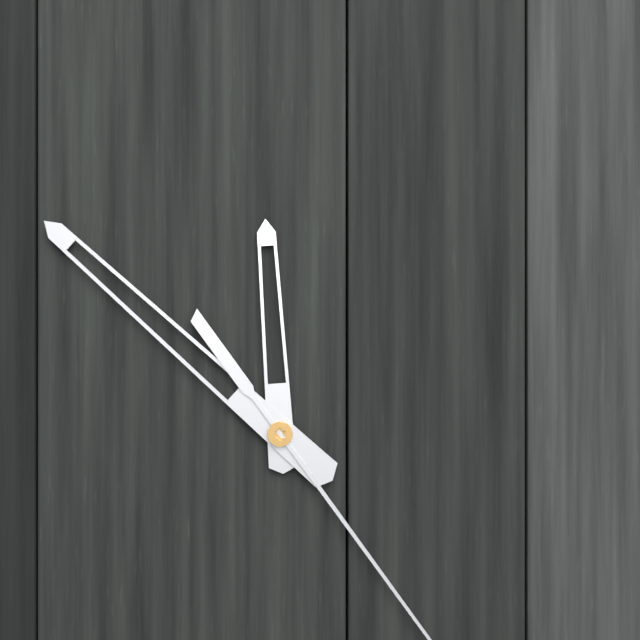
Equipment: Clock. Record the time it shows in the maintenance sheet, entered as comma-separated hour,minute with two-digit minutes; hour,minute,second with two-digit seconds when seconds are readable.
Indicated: 11,52
